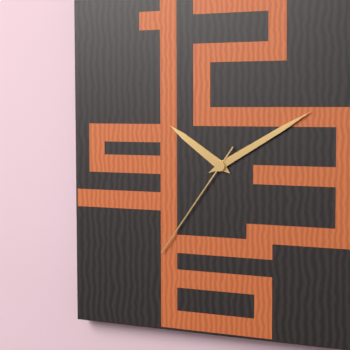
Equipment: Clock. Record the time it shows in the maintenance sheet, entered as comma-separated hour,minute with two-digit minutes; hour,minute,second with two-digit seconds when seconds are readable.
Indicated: 10,10,36
